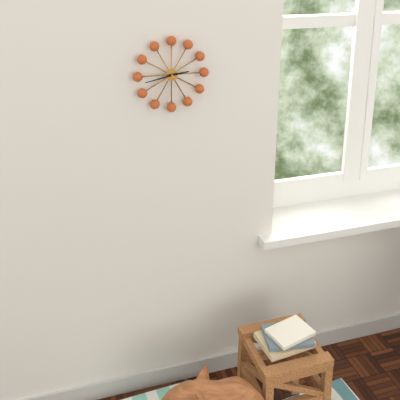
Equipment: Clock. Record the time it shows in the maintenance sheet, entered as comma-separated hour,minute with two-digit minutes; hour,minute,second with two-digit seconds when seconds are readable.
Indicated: 2,43
